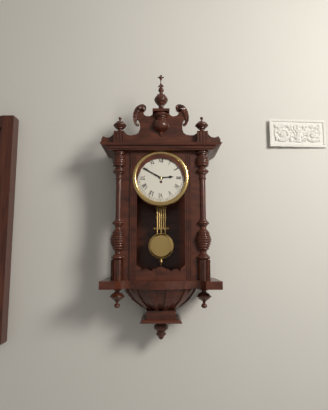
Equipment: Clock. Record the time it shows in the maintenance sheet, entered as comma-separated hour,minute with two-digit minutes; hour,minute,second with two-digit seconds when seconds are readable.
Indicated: 2,50
